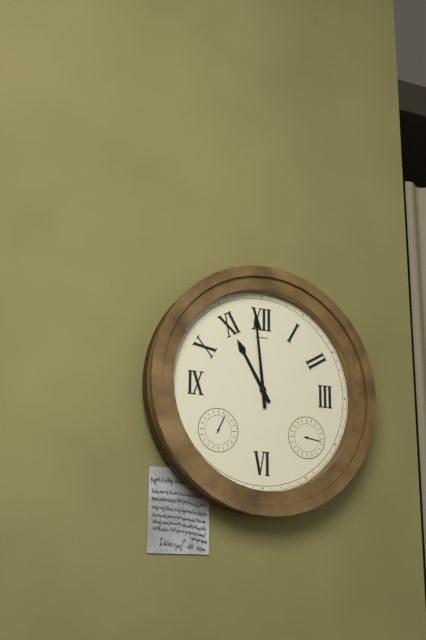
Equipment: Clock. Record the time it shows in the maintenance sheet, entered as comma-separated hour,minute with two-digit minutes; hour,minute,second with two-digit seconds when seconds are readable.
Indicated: 10,59
